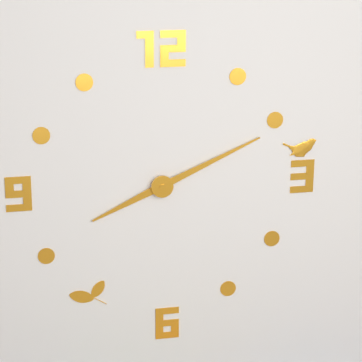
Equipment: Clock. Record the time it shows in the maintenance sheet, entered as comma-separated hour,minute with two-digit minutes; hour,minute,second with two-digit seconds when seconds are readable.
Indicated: 8,11
